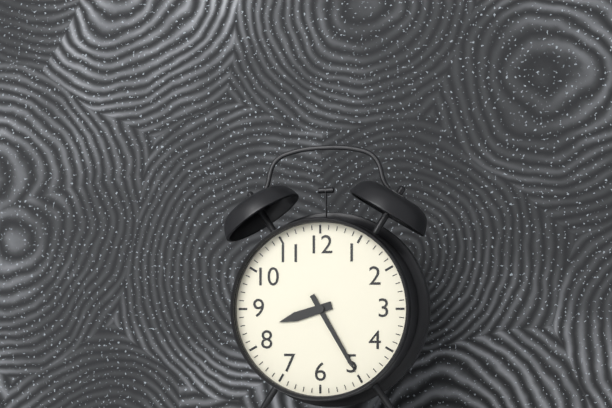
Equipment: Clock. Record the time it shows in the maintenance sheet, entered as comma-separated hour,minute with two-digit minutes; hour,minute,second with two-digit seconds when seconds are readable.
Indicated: 8,25
